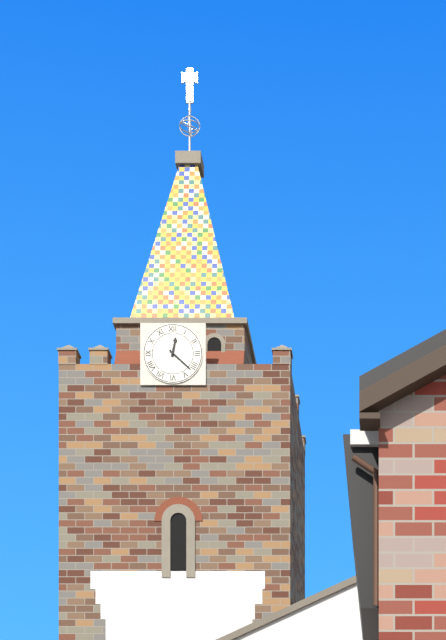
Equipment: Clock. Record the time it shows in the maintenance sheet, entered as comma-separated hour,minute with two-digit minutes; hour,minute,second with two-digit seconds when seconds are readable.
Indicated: 12,22
